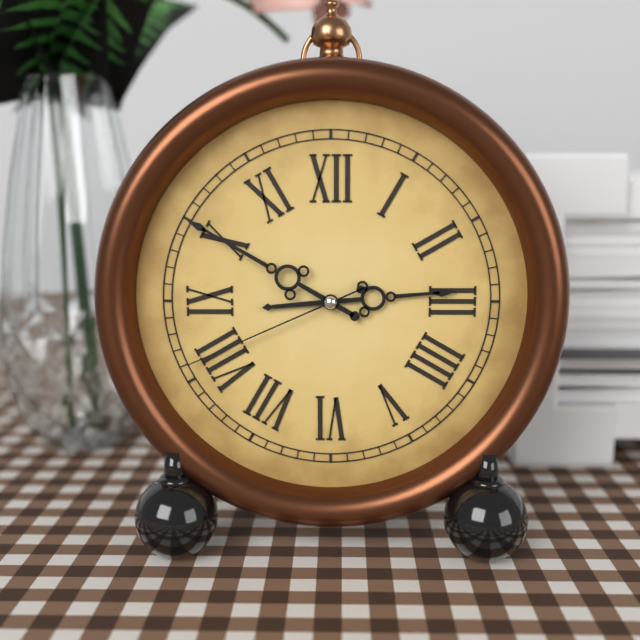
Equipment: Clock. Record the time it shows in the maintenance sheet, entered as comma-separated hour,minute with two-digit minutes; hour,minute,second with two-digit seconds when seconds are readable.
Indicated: 2,50,41
